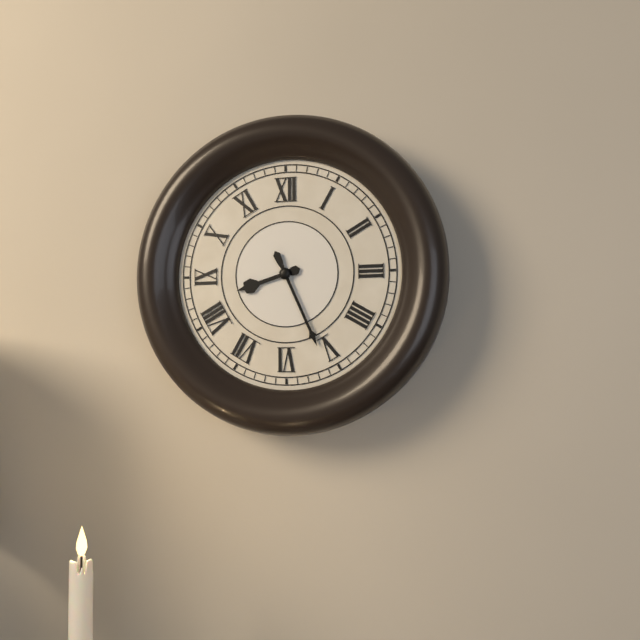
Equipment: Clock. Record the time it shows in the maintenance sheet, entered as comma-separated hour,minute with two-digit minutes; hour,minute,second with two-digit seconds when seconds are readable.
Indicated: 8,26
